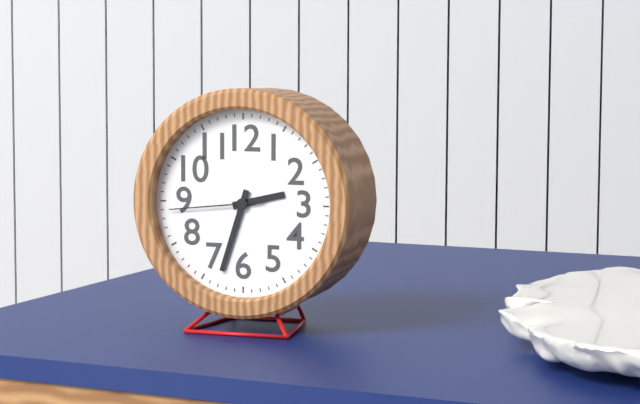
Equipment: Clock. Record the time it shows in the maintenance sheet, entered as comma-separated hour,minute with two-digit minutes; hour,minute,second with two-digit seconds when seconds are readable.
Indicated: 2,33,44
